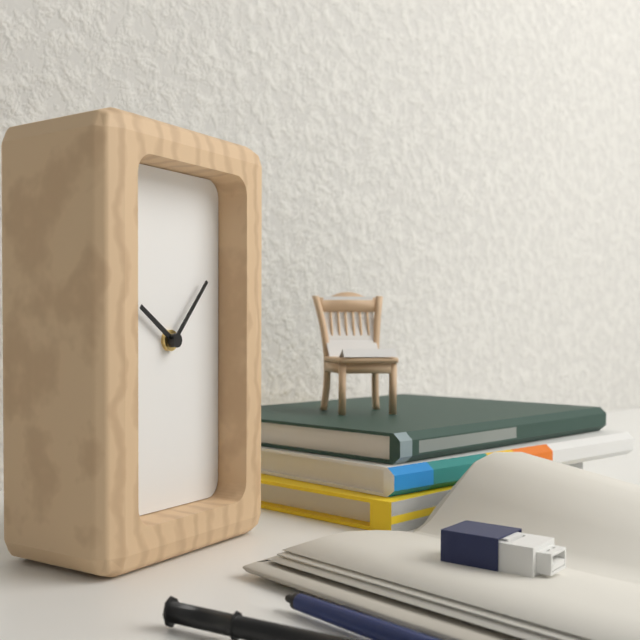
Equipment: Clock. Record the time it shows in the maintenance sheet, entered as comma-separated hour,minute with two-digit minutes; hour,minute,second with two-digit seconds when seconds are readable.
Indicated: 10,07
